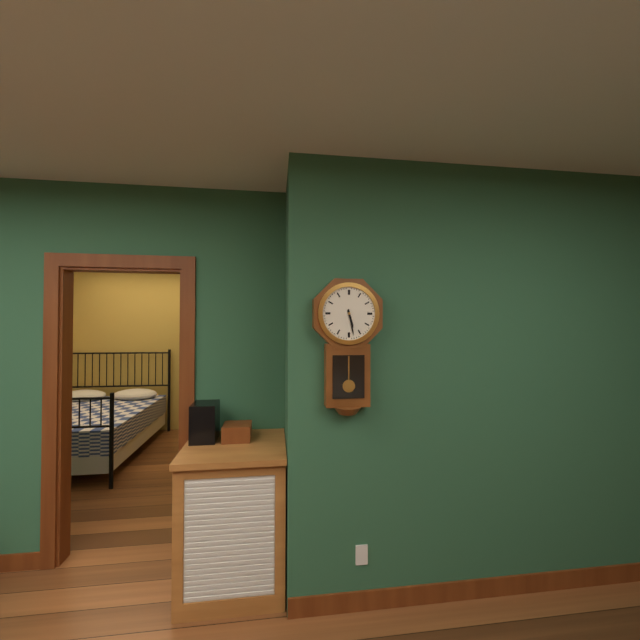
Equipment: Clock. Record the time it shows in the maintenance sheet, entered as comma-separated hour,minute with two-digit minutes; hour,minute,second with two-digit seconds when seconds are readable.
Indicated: 5,28
